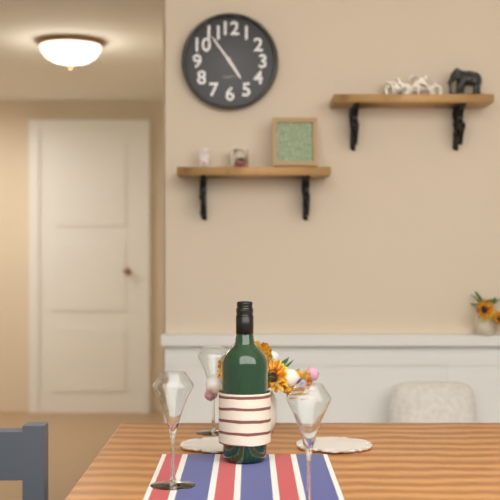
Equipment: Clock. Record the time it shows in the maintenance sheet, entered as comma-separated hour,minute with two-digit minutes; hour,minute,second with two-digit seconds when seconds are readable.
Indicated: 4,54
